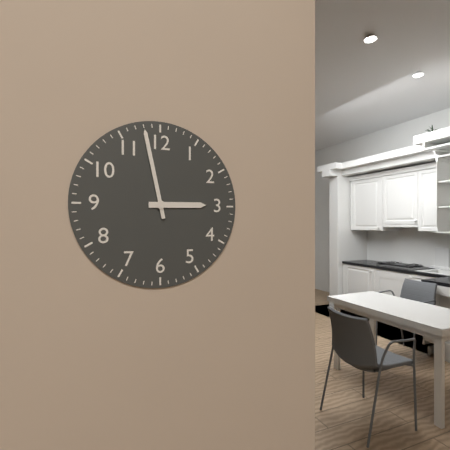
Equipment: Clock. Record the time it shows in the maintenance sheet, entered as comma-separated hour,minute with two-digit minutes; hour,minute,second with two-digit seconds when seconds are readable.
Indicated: 2,58
